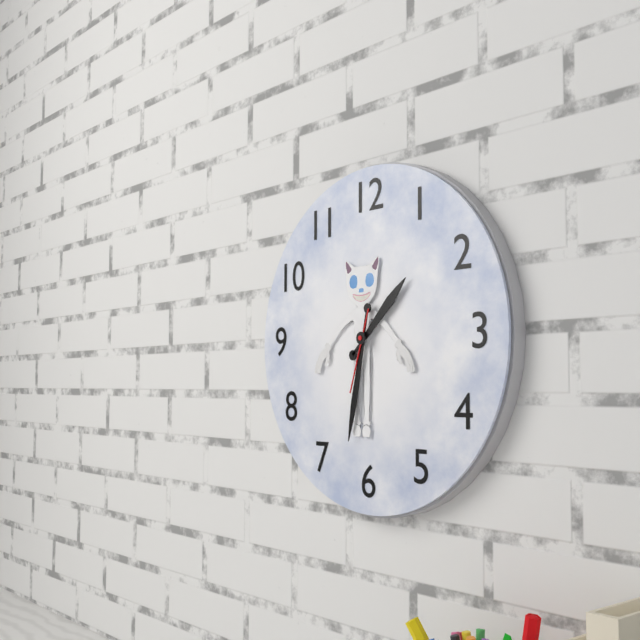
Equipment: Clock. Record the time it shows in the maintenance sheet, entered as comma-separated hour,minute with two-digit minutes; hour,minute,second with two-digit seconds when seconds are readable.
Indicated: 1,32,33
